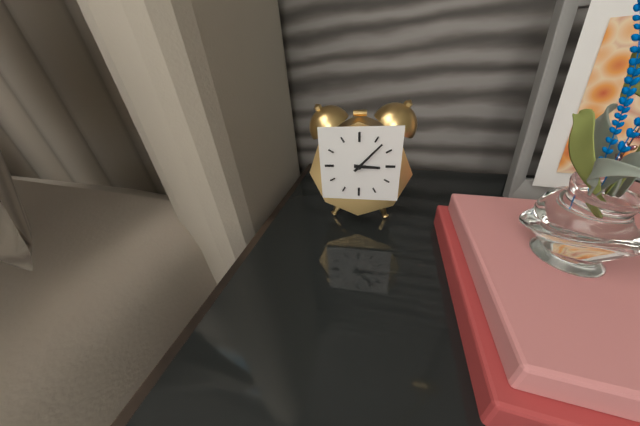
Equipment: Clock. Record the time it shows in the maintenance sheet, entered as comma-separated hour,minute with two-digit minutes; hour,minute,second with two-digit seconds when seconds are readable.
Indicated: 3,07
